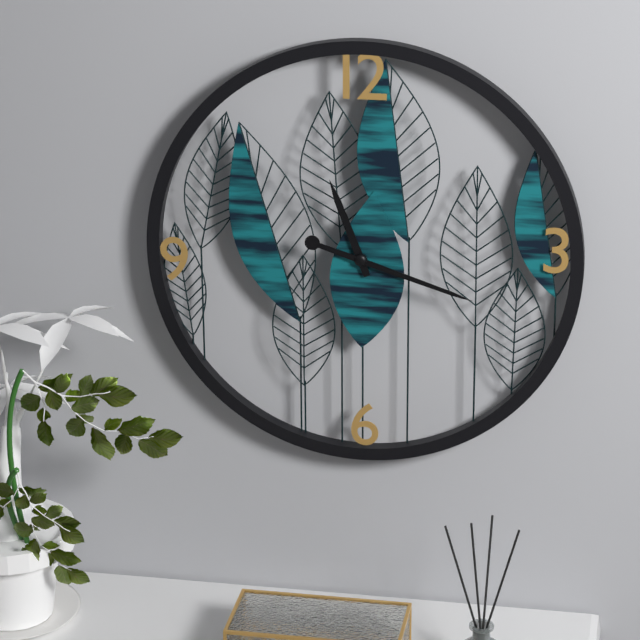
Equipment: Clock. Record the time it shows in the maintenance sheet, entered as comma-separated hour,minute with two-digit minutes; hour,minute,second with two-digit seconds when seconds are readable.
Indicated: 11,18
